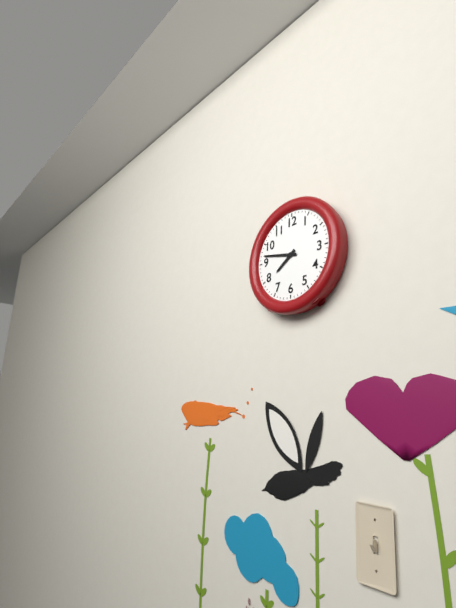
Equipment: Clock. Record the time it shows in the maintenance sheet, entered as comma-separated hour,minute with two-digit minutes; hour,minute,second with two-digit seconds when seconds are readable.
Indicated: 7,47
